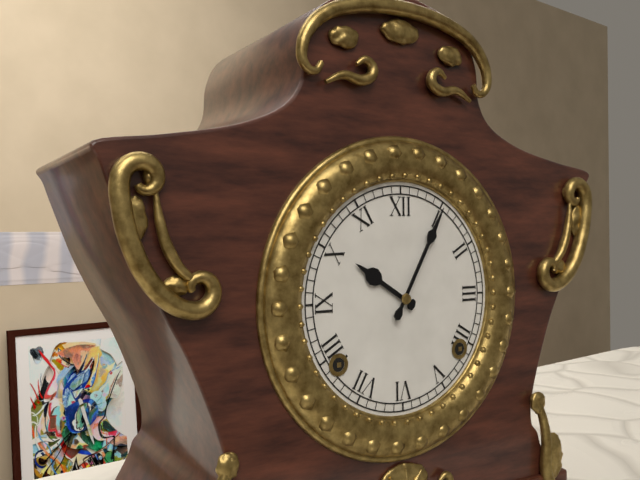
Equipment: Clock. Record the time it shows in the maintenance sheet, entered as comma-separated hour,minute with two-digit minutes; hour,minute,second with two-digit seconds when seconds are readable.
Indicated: 10,05
